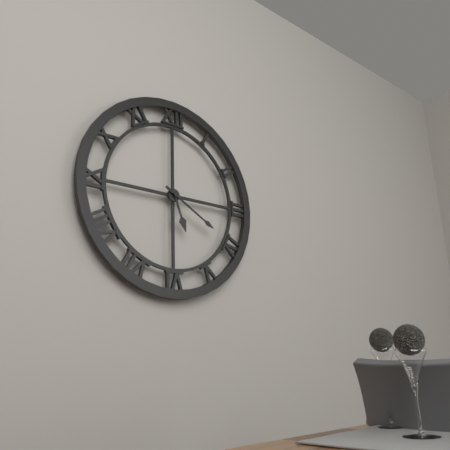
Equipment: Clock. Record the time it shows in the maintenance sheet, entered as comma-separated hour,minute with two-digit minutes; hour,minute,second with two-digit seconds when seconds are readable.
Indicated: 5,20
